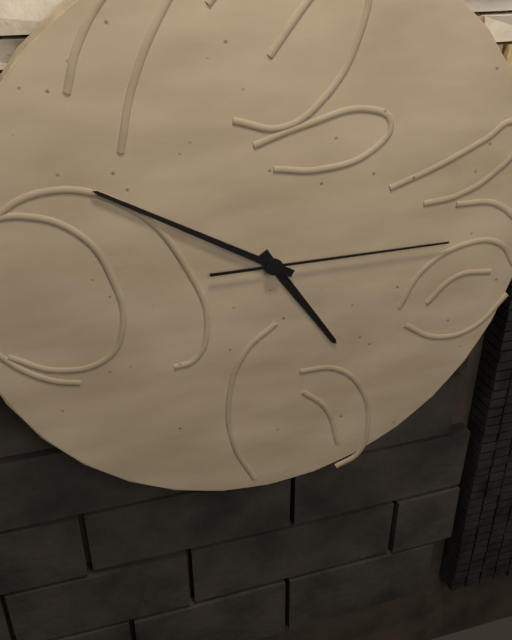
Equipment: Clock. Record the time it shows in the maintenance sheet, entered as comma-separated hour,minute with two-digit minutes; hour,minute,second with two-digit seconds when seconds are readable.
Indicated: 4,50,15
